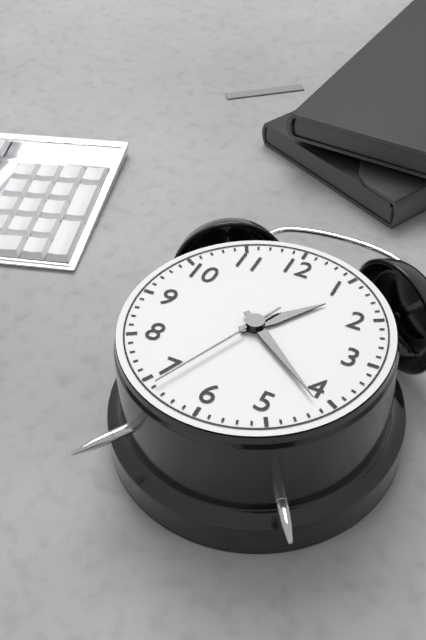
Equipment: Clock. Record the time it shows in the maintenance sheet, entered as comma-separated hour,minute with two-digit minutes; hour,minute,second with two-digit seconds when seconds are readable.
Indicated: 1,21,34
